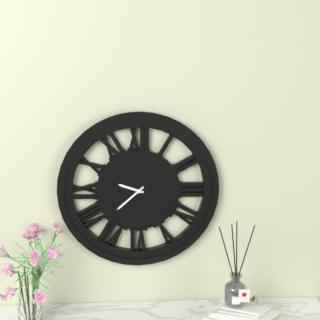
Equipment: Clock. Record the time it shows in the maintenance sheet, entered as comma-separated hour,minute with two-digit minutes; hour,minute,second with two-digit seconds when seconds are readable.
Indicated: 9,38
